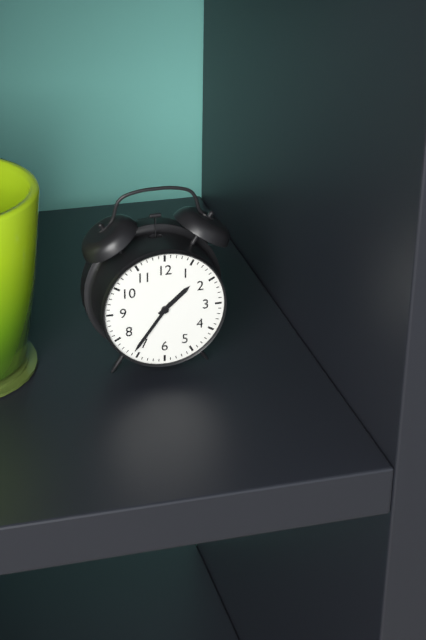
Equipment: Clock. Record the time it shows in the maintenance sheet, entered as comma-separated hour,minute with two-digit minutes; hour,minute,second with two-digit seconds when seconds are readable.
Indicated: 1,36
